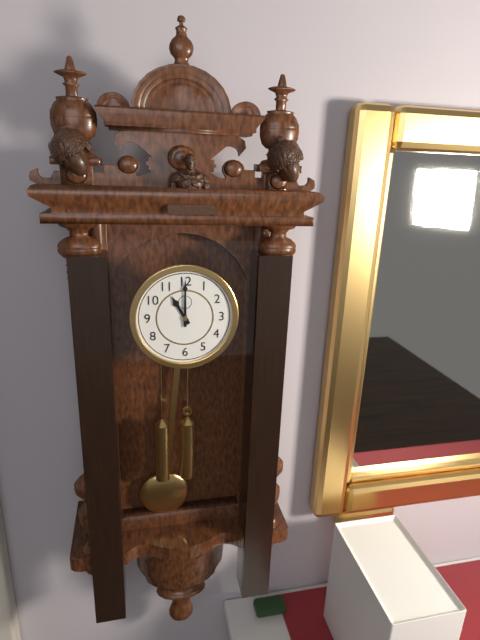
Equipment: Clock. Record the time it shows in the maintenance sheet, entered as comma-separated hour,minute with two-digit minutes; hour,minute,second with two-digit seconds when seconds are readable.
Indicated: 11,00
